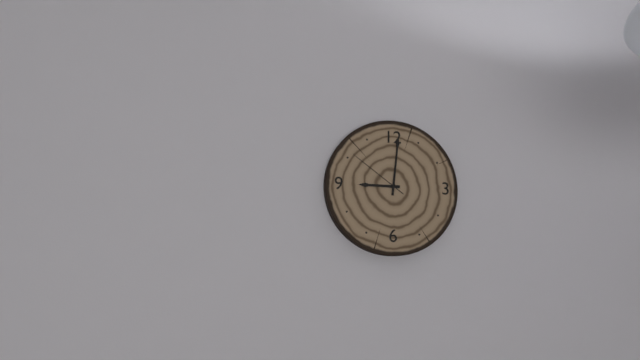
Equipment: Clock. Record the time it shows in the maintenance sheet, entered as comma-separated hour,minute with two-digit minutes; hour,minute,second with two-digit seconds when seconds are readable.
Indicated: 9,01,51
